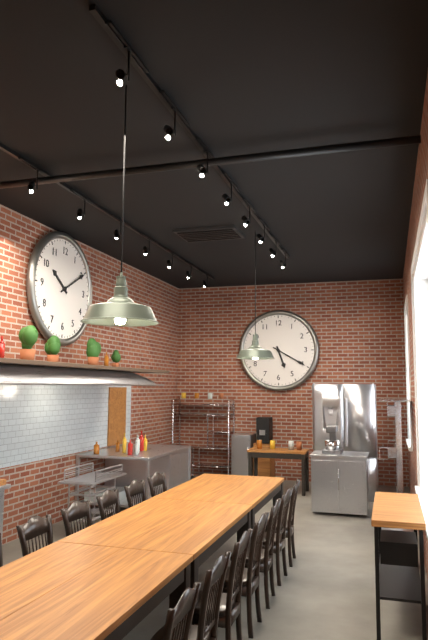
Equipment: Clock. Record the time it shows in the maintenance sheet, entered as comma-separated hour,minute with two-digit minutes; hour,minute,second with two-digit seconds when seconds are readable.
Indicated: 5,20
